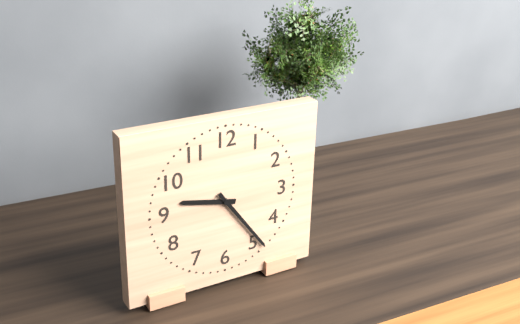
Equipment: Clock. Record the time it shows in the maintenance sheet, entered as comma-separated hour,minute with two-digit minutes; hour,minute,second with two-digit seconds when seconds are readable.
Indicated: 9,24
